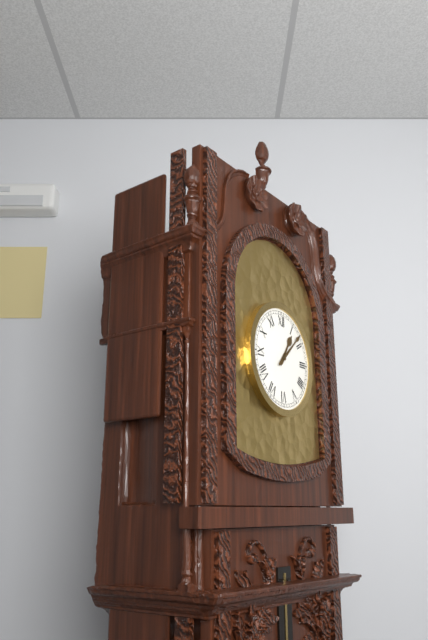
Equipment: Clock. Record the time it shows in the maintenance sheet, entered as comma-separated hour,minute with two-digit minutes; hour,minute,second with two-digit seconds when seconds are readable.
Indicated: 1,08
